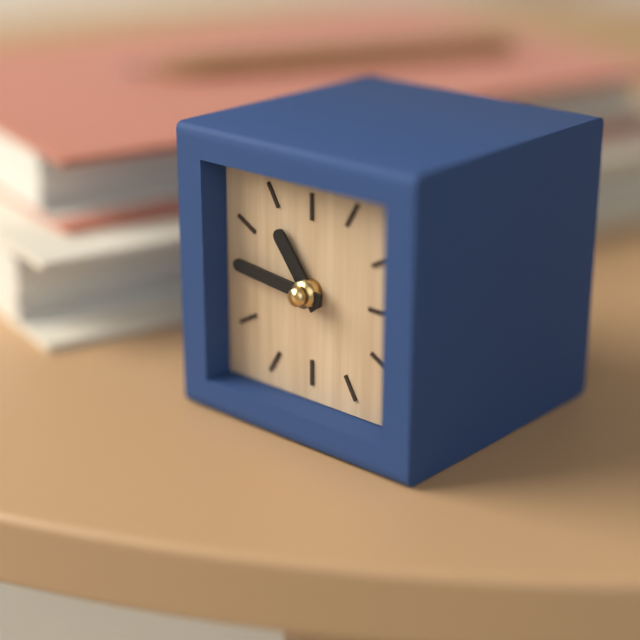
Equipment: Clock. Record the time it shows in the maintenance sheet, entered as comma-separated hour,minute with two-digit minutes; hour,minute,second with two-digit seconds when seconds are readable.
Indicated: 10,46
